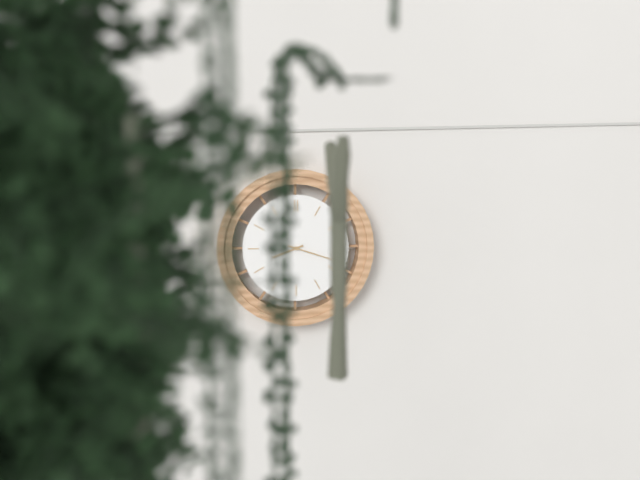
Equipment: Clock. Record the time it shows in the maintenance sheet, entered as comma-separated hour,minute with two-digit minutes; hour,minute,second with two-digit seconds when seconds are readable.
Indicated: 8,18
